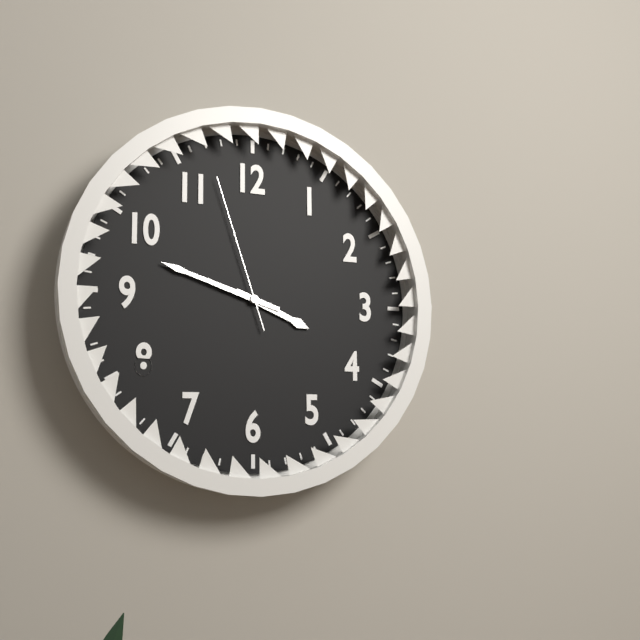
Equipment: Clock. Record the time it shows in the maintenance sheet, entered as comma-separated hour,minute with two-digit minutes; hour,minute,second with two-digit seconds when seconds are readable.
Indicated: 3,48,57
